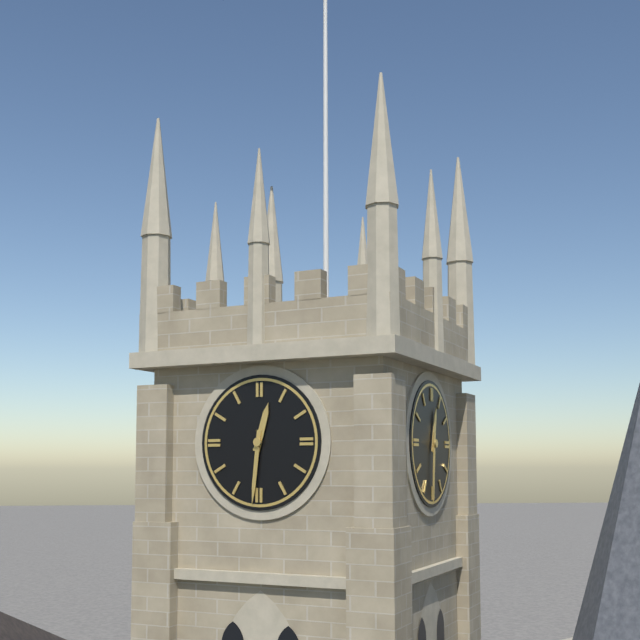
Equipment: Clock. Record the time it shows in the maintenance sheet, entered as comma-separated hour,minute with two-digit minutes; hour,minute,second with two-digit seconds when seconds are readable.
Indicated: 12,31
